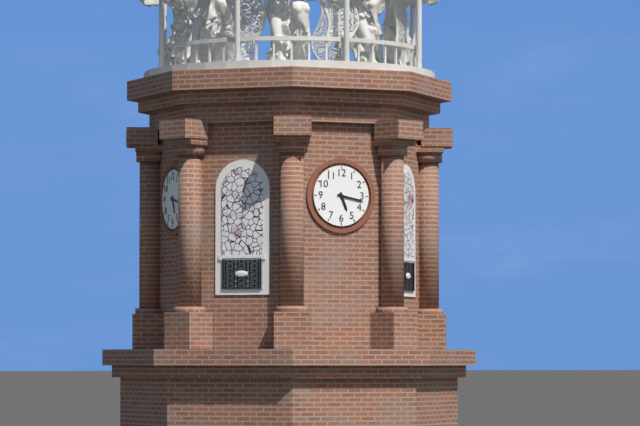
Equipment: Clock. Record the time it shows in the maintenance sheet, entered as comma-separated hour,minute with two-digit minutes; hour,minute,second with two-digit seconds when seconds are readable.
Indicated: 5,17
